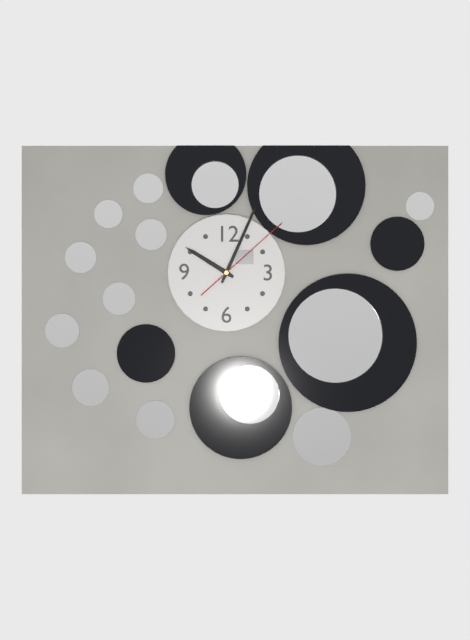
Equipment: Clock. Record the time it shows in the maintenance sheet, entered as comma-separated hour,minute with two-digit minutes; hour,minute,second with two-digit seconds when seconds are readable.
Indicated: 10,04,08
